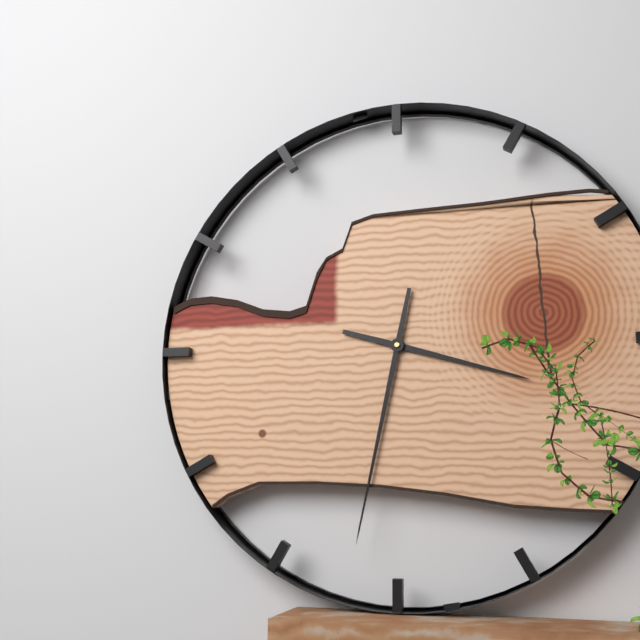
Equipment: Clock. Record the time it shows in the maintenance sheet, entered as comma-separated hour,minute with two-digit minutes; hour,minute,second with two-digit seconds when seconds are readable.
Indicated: 3,32
